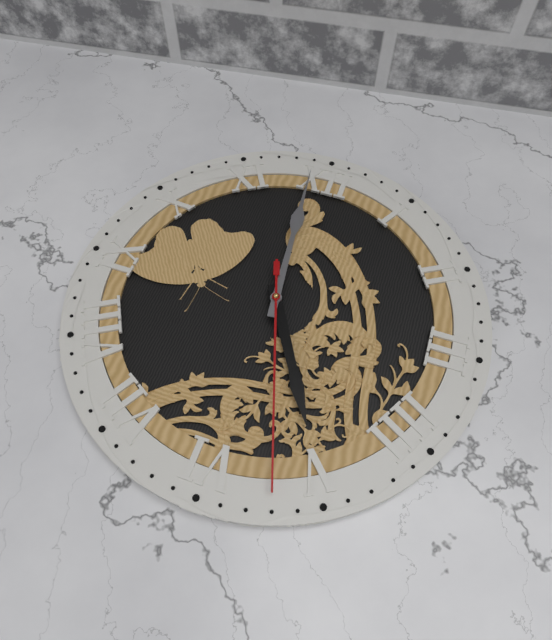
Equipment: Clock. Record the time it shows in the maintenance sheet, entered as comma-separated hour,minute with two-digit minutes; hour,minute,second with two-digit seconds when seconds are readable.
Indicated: 4,59,27
